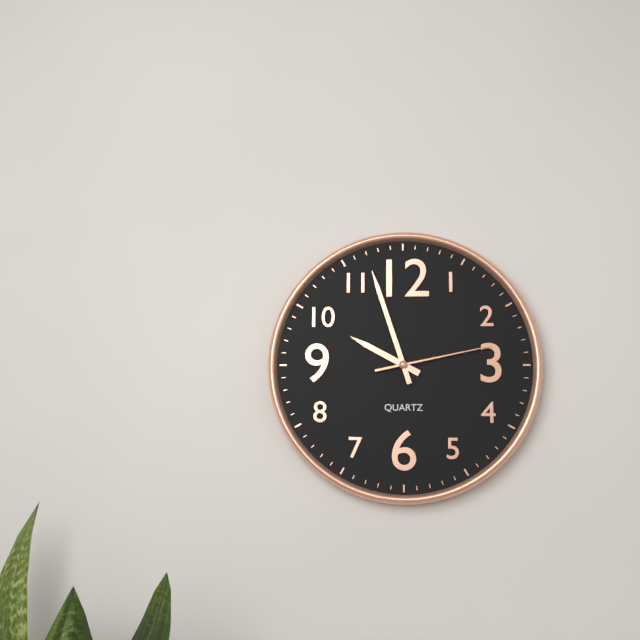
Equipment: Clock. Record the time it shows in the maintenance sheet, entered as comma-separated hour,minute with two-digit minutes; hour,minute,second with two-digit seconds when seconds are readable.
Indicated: 9,57,13
